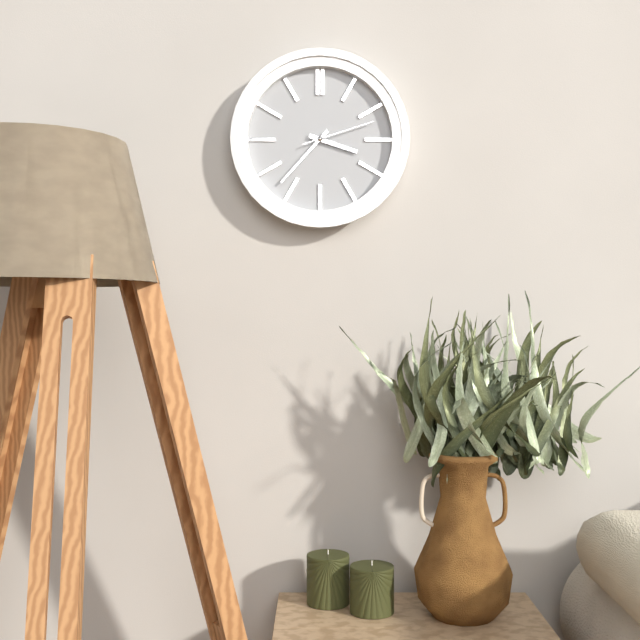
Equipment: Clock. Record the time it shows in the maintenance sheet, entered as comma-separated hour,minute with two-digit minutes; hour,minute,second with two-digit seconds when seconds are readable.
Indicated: 3,37,12
